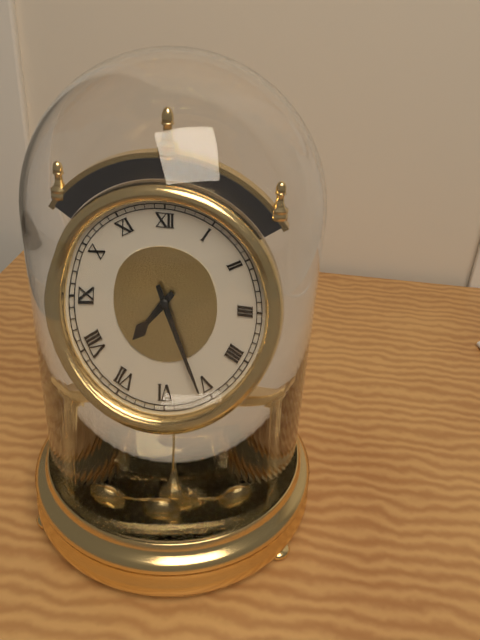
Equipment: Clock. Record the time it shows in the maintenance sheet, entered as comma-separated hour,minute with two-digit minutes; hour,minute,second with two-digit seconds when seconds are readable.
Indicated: 7,26
